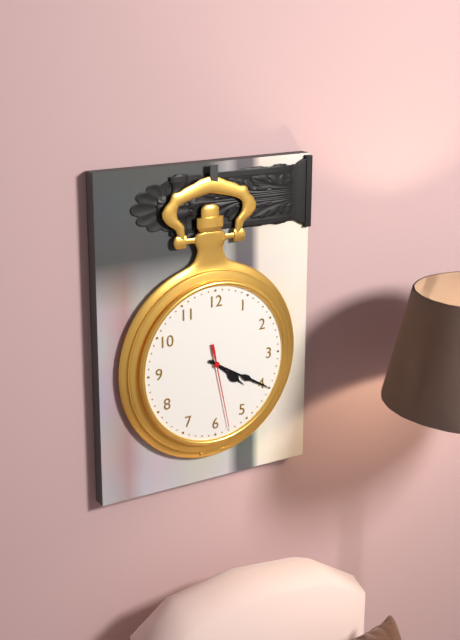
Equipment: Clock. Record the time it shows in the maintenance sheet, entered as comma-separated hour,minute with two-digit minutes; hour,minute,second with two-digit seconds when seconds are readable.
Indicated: 4,20,28
